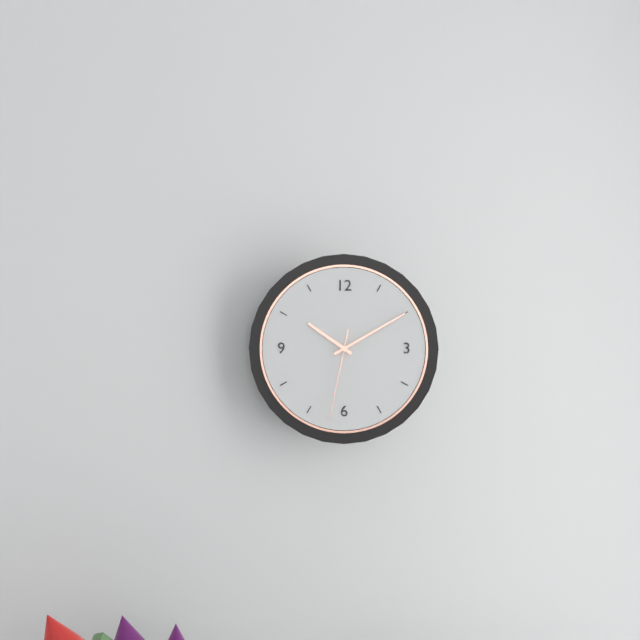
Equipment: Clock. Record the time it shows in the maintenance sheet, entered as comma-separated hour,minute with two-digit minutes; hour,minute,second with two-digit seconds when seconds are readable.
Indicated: 10,10,32
